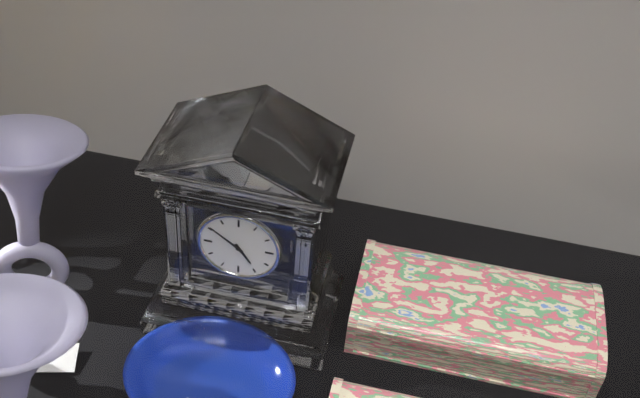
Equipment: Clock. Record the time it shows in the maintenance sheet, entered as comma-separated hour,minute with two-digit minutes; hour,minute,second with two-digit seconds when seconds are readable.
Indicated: 4,51
